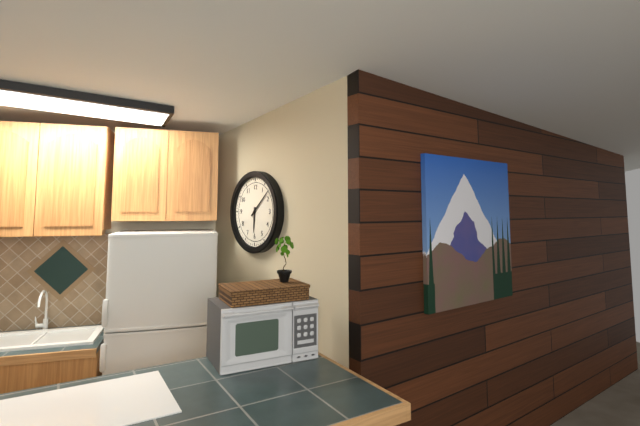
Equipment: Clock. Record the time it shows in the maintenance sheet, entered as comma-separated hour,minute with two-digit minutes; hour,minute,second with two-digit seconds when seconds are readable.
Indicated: 6,08
